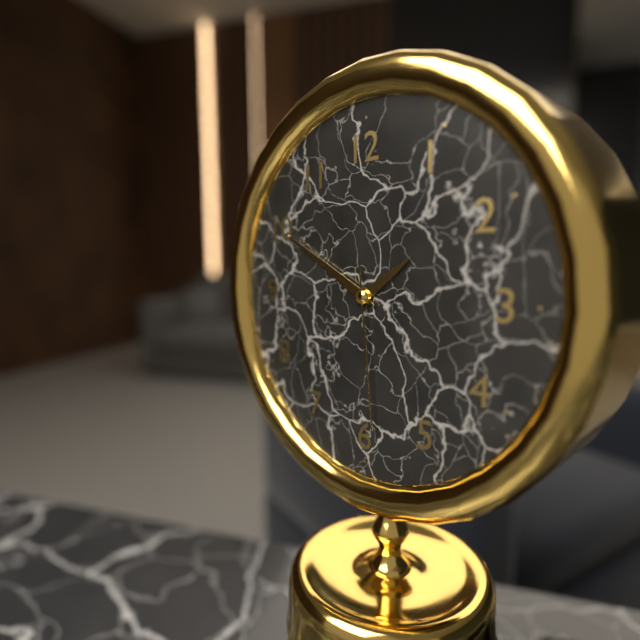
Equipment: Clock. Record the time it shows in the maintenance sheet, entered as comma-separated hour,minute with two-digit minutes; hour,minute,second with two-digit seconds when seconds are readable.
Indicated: 1,50,29
